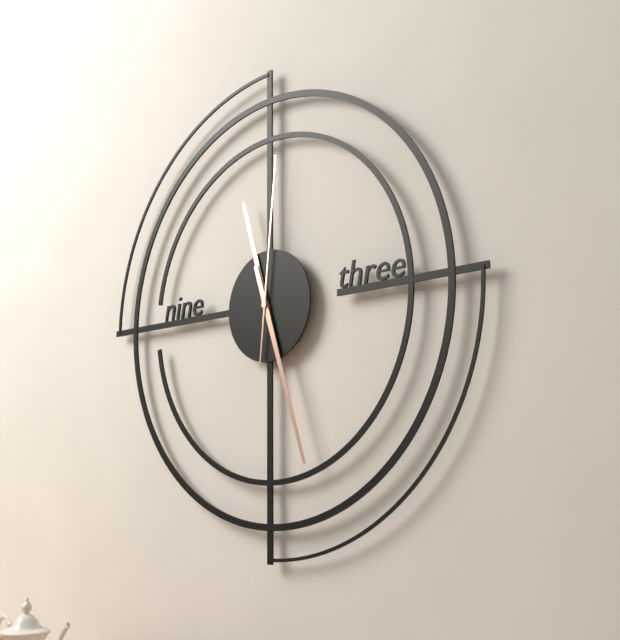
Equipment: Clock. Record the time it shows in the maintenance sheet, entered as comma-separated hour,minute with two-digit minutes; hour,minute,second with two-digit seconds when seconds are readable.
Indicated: 11,27,01
